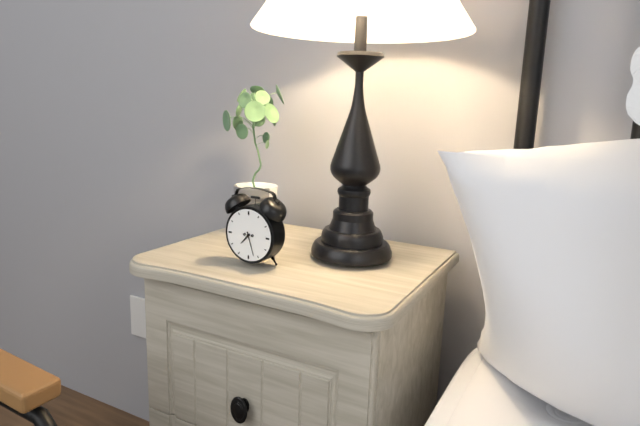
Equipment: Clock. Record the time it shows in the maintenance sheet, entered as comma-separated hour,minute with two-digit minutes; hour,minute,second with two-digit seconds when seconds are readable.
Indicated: 7,27
